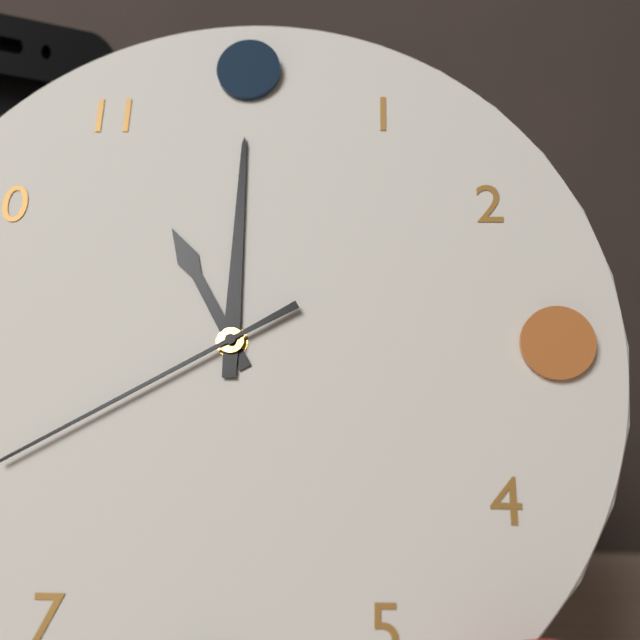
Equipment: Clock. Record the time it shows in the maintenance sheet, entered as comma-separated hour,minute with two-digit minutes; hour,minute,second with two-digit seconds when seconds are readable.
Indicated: 11,00
